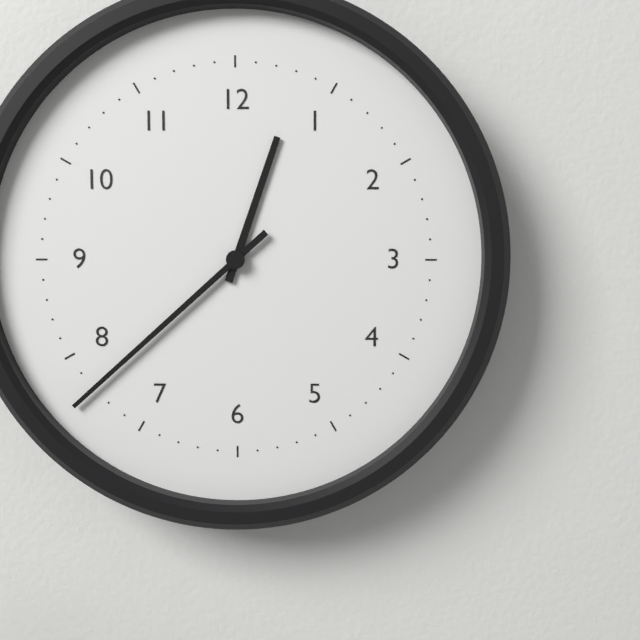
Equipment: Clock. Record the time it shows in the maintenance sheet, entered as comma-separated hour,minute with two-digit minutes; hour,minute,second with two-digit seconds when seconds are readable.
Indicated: 12,38
